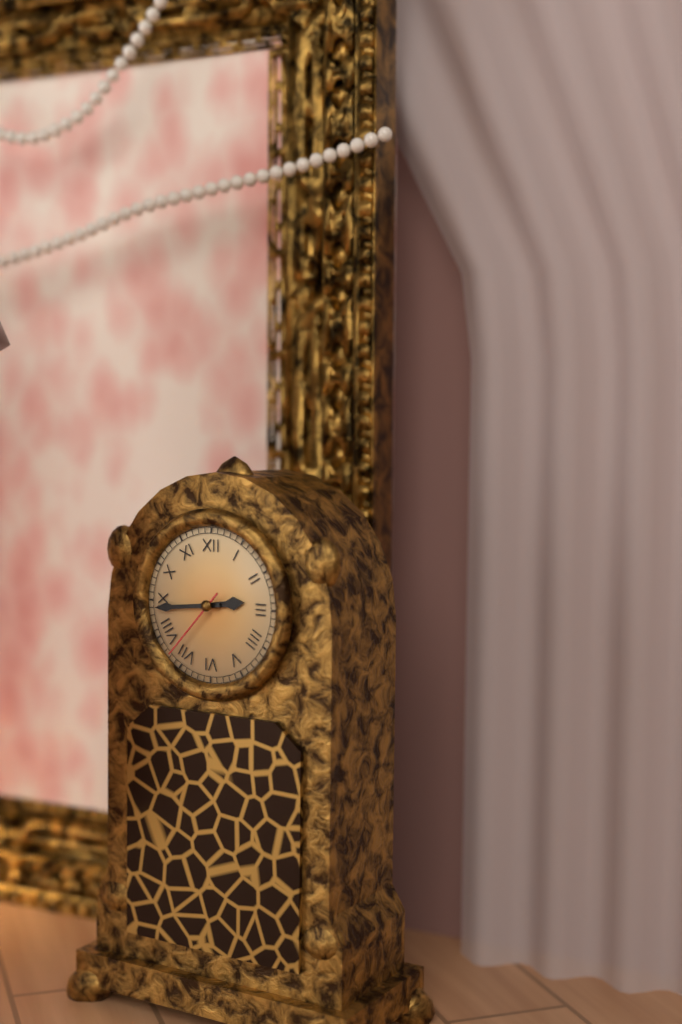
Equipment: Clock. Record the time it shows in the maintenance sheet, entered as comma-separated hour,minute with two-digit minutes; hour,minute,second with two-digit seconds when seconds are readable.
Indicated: 2,44,37
